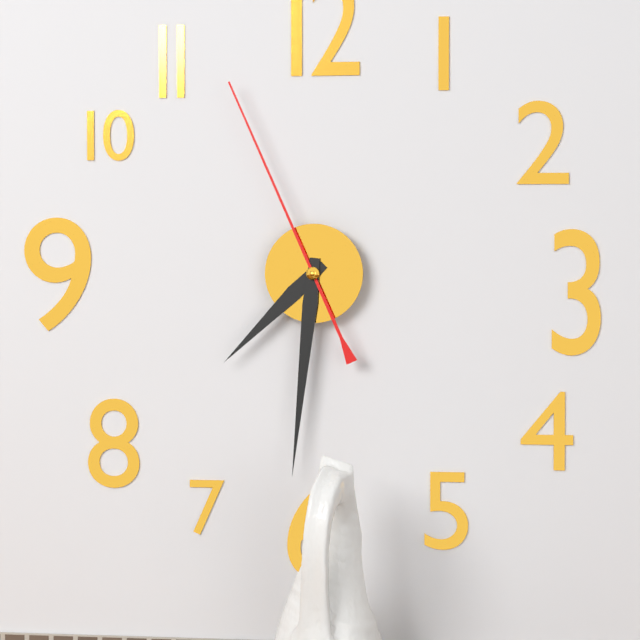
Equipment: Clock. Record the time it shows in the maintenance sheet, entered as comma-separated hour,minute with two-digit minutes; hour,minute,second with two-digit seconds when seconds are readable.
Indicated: 7,31,56
